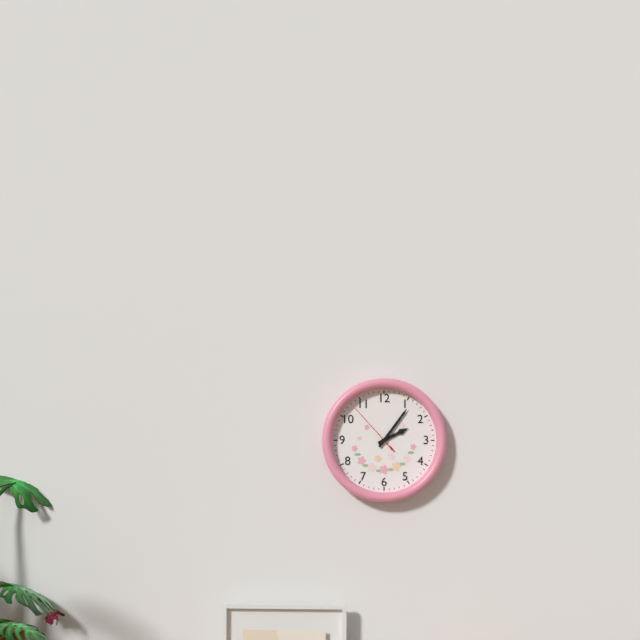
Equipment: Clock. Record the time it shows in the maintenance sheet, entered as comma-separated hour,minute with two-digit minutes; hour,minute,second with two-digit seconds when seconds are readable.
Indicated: 2,06,53
